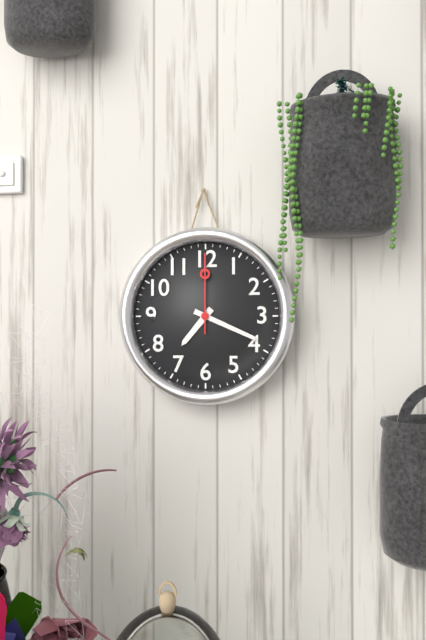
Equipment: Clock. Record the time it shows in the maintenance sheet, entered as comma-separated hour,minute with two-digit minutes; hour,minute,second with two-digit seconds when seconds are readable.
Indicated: 7,19,00
